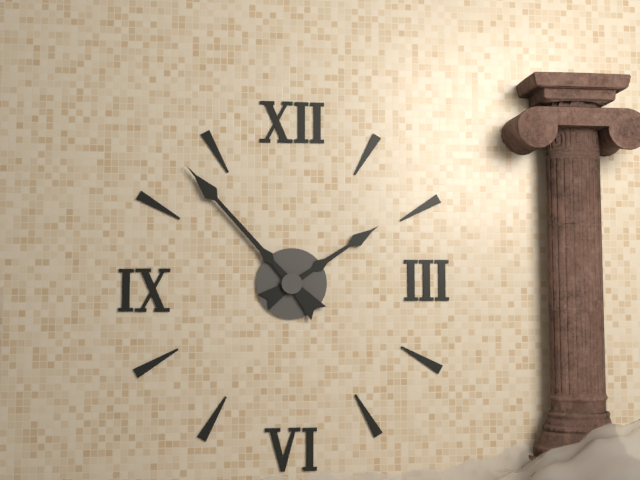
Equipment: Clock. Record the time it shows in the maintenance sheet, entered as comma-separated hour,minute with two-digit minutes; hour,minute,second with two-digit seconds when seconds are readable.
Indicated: 1,53
